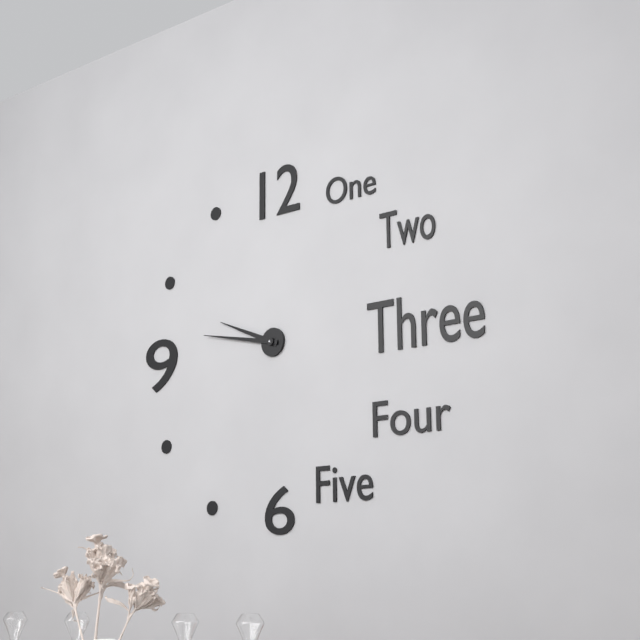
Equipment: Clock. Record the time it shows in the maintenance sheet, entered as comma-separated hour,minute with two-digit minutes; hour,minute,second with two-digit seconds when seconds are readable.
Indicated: 9,47
